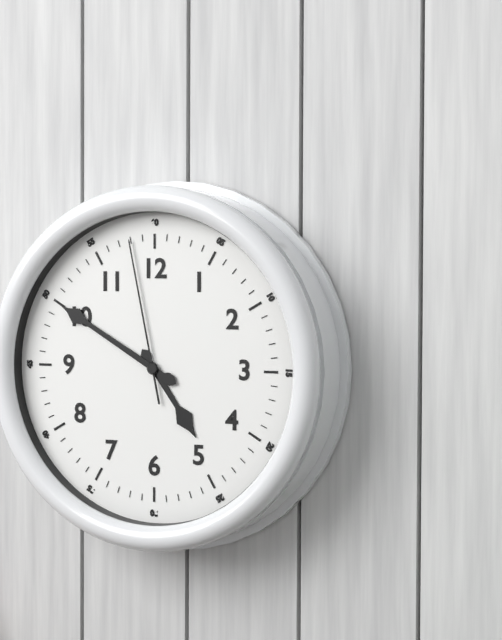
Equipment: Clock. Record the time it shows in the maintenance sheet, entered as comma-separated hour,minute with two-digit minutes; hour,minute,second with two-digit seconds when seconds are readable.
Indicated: 4,50,58
